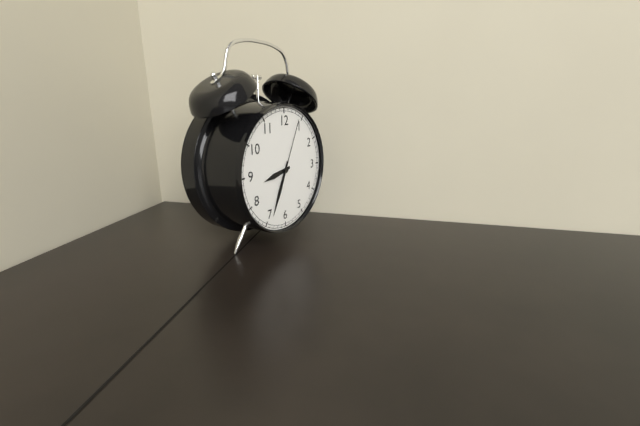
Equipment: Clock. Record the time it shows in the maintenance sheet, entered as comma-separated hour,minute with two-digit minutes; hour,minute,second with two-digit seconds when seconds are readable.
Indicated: 8,34,04
